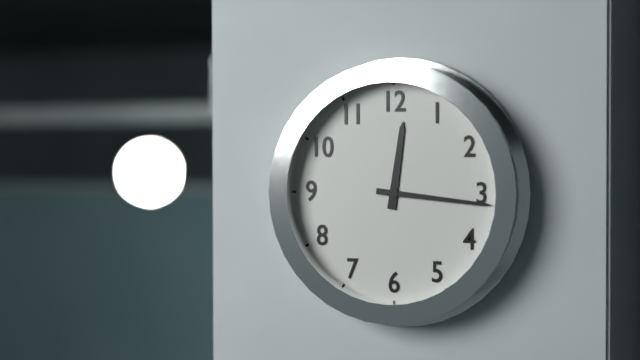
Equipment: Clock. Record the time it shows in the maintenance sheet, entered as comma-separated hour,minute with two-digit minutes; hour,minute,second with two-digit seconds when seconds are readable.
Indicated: 12,16
